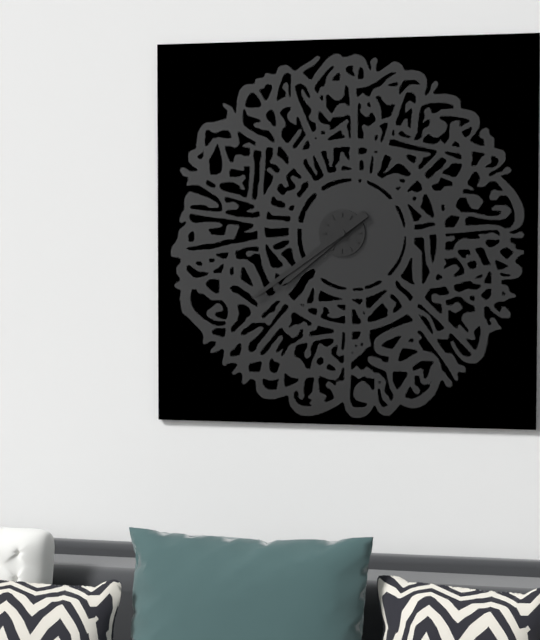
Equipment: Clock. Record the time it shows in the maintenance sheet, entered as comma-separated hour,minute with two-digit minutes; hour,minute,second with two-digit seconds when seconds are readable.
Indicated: 7,39
